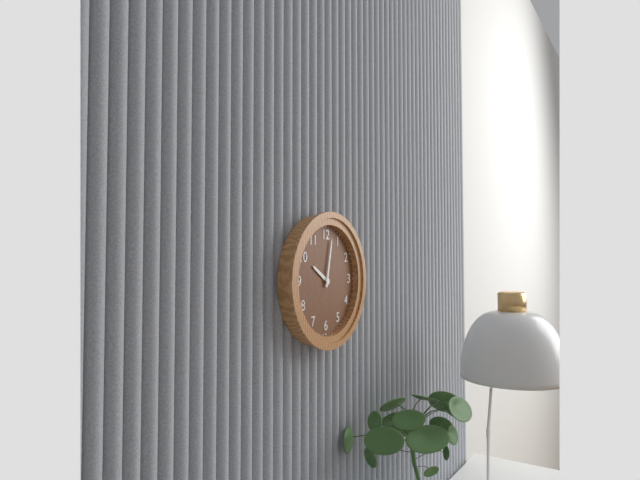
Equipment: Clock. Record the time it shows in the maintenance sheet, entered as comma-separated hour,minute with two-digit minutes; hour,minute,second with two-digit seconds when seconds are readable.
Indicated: 10,02
